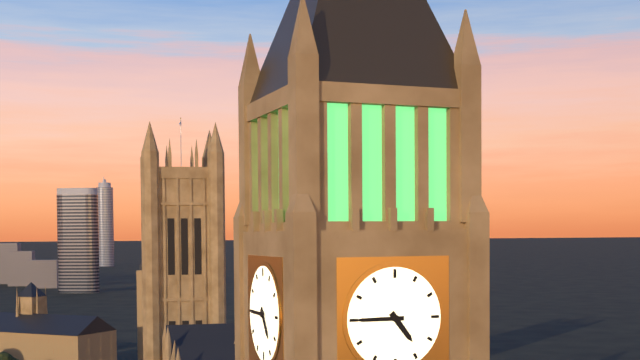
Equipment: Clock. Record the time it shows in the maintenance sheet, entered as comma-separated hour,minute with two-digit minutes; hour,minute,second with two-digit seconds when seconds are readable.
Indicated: 4,45
